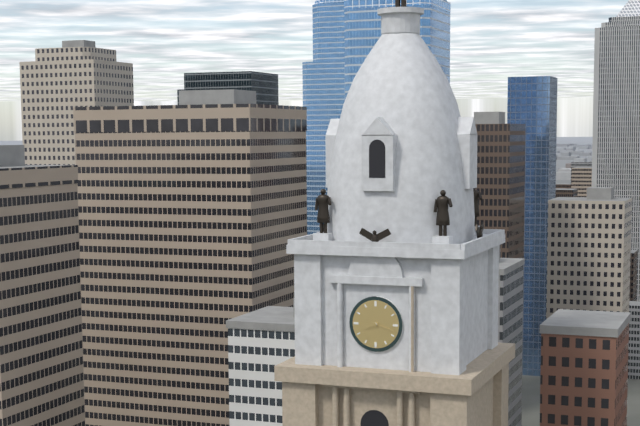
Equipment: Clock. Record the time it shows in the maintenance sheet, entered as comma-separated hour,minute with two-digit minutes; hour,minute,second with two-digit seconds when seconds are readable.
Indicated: 8,18
